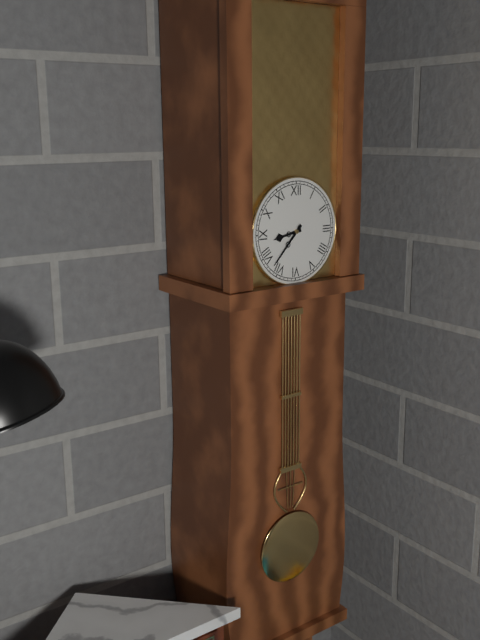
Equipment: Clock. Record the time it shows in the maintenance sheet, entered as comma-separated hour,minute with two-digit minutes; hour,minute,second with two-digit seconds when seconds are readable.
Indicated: 8,37
